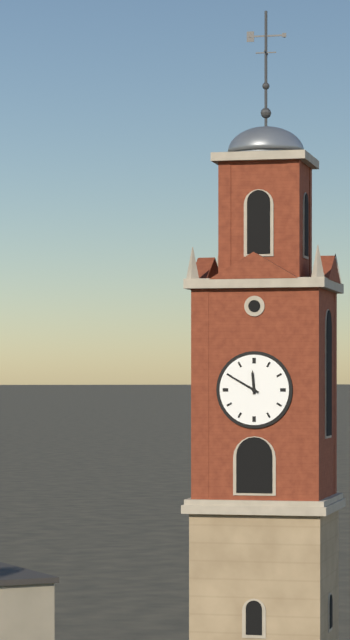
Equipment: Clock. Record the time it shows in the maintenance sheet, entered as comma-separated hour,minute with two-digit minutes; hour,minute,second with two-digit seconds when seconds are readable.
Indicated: 11,50
